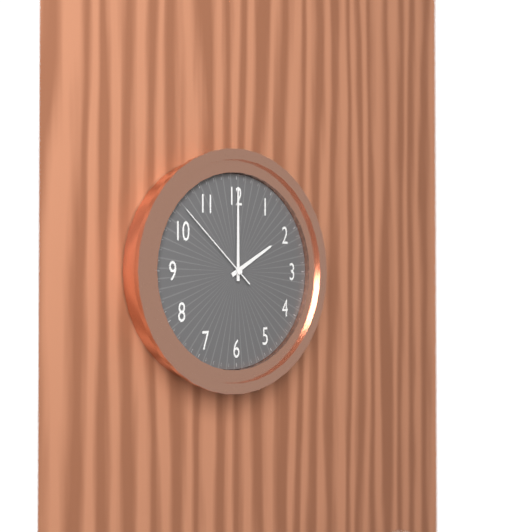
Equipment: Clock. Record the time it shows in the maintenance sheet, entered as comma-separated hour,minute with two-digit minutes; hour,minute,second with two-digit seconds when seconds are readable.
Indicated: 2,00,52
